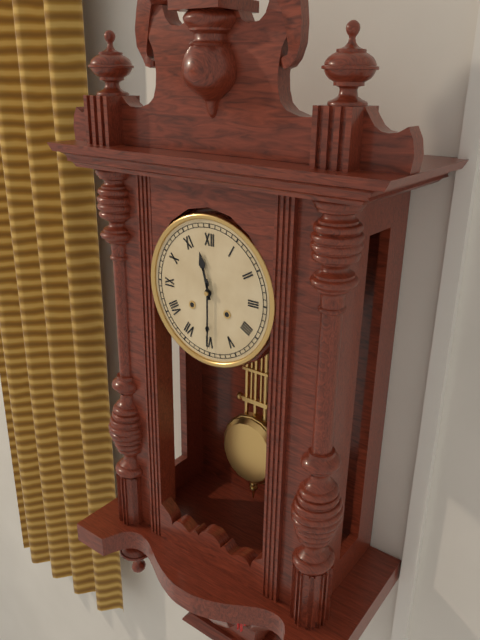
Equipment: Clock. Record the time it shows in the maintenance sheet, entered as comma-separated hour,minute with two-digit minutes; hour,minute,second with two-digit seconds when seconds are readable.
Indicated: 11,30
